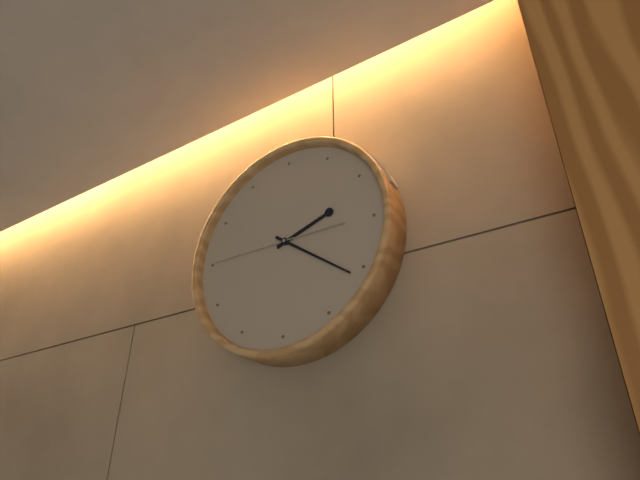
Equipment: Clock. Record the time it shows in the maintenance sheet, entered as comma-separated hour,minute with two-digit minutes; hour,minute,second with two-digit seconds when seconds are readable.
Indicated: 2,21,45
